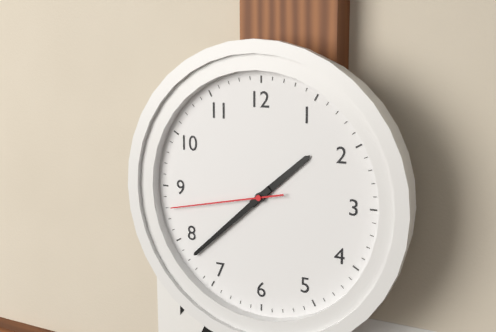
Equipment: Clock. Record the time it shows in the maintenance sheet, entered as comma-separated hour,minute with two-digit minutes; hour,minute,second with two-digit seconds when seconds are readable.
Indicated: 1,38,43
